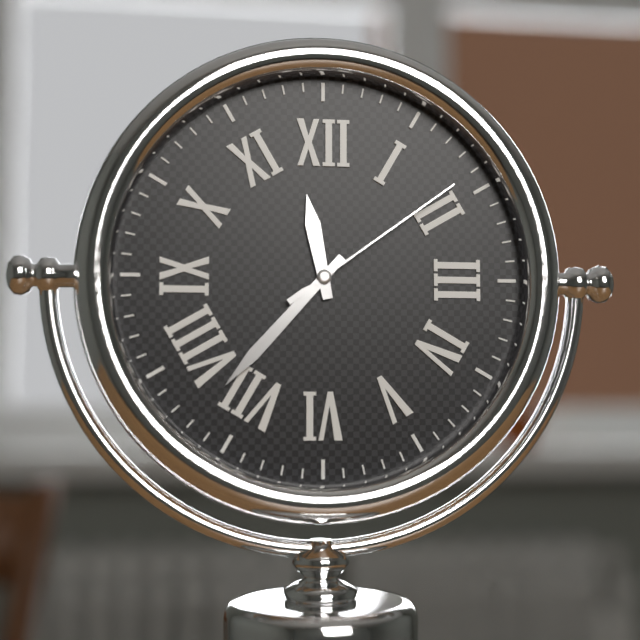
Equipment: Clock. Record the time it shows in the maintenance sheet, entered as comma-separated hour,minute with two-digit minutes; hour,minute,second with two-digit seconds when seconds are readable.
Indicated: 11,37,09
